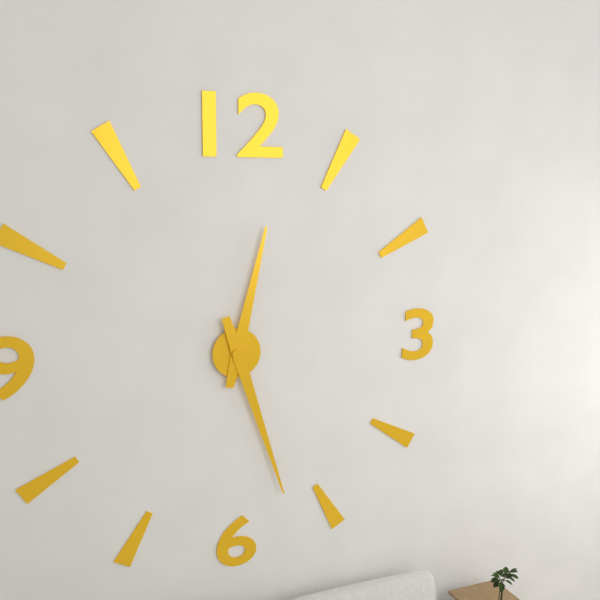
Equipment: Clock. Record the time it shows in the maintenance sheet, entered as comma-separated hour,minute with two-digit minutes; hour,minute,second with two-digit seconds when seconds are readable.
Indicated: 12,27
